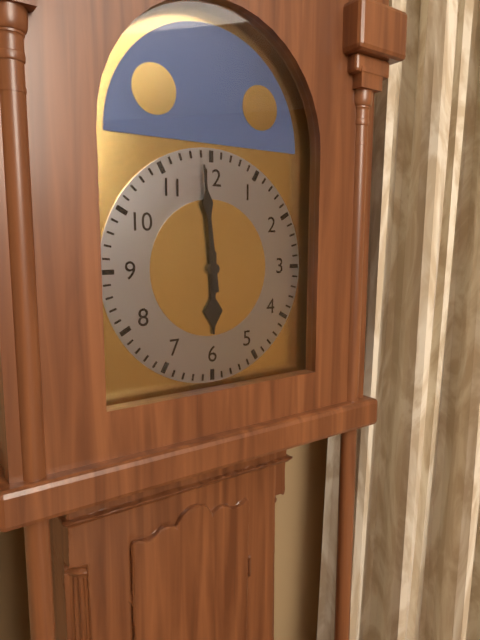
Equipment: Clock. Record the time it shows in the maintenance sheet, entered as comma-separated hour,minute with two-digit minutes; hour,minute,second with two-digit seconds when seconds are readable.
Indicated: 5,59
